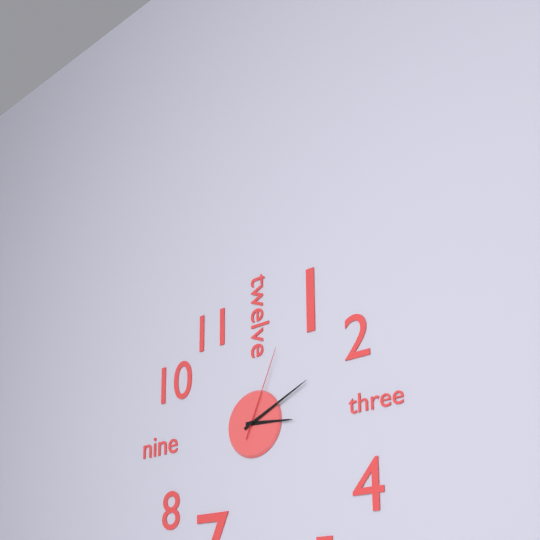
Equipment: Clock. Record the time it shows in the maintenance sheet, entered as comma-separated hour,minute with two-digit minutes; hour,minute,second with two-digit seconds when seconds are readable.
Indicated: 3,11,04
